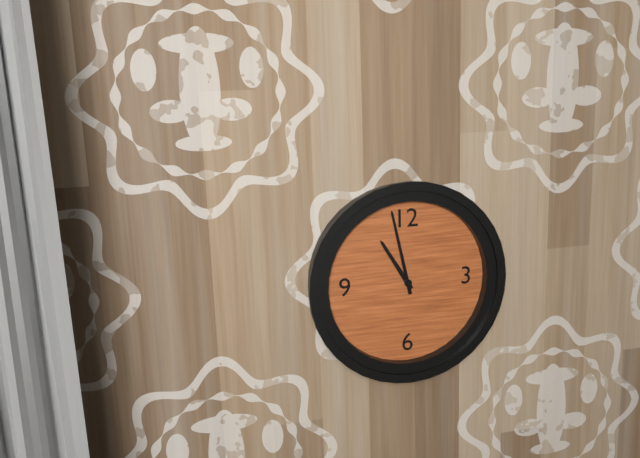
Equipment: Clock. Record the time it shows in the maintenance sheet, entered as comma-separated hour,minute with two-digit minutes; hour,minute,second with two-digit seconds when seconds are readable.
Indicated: 10,58
